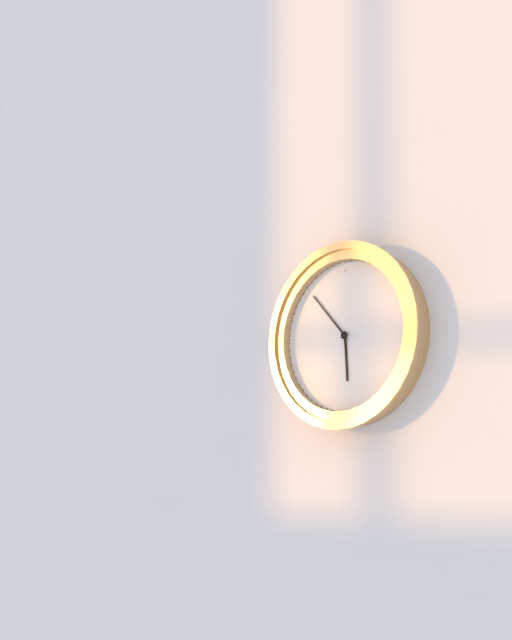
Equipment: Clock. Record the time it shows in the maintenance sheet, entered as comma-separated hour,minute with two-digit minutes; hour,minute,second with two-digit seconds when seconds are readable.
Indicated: 5,53
